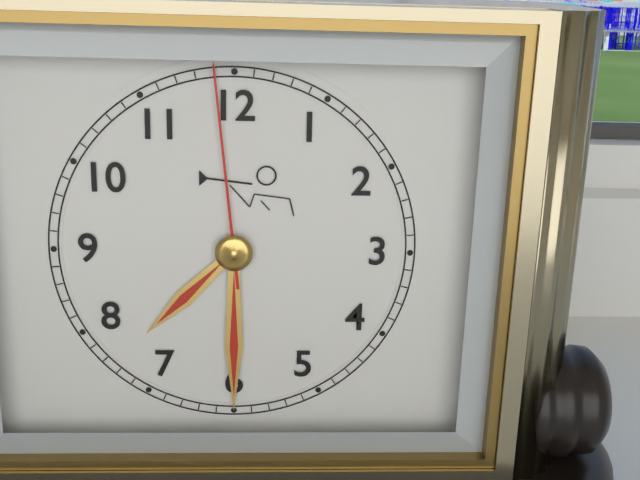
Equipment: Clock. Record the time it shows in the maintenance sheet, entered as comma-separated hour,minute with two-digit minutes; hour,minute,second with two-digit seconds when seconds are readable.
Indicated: 7,30,59
